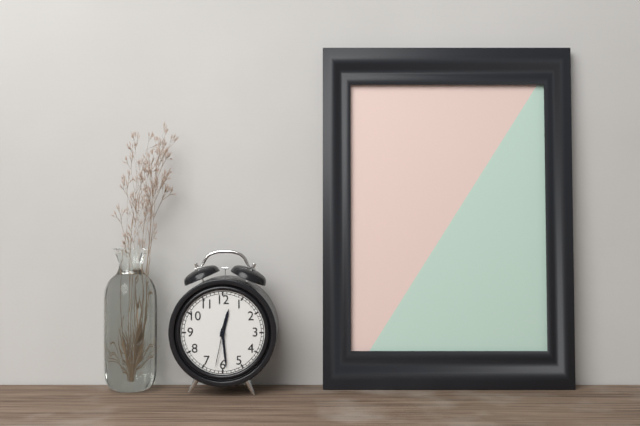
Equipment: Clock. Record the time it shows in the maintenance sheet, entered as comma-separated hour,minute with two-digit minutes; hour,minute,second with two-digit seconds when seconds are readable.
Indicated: 12,29
